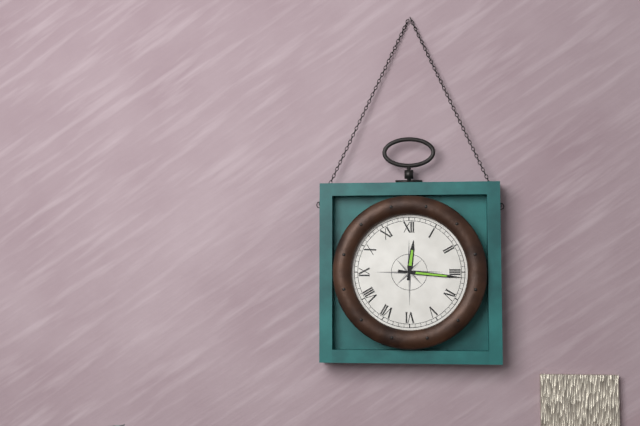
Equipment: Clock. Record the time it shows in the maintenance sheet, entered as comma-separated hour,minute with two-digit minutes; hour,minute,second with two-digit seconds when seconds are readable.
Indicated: 12,16
